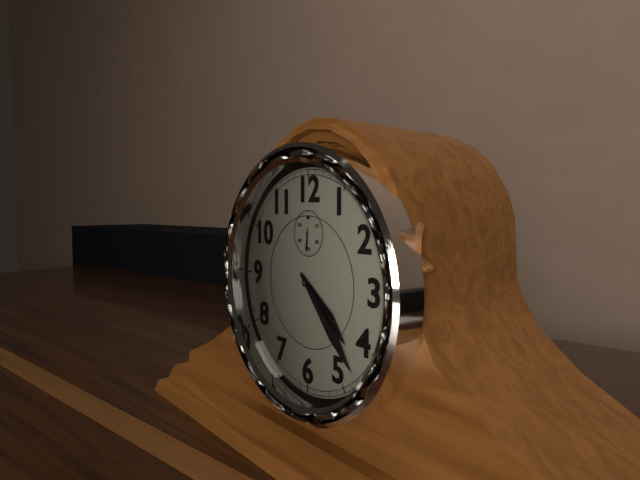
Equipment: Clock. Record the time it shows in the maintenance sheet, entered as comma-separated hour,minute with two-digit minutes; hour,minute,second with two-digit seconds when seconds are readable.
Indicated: 4,23
